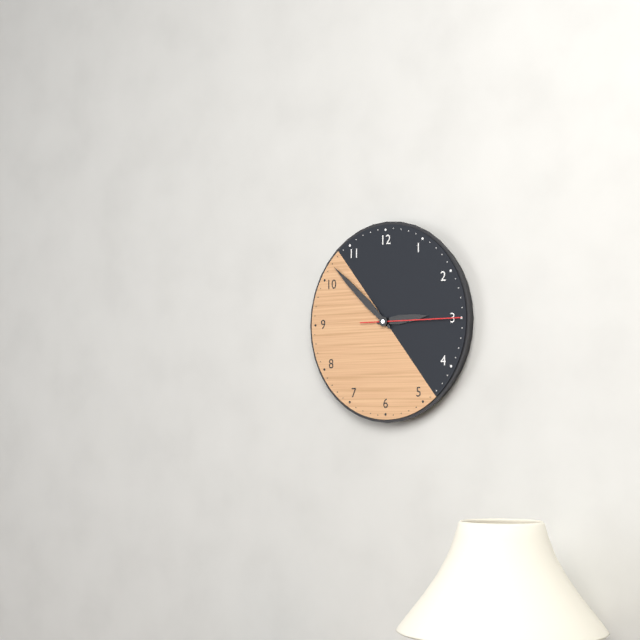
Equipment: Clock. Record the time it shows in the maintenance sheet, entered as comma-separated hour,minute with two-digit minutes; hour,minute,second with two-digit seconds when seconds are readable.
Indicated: 2,52,15
